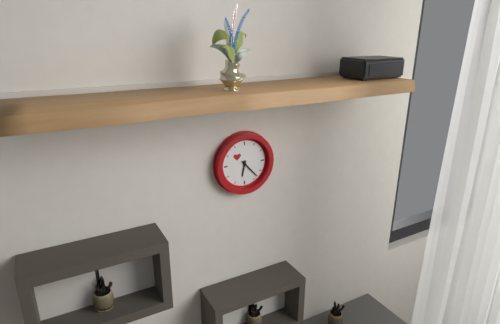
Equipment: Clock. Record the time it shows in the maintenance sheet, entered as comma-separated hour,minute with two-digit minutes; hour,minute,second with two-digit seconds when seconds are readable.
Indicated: 6,23
